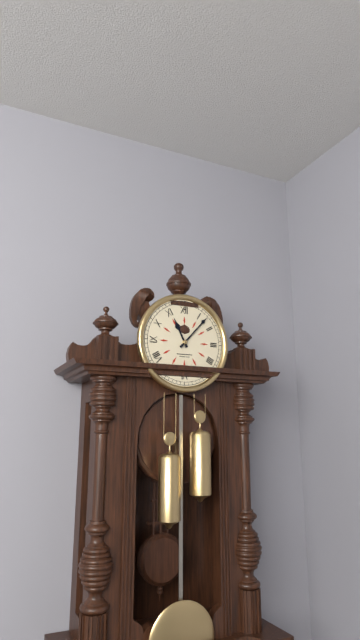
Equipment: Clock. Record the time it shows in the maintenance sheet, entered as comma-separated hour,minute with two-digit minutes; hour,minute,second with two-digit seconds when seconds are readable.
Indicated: 11,07
